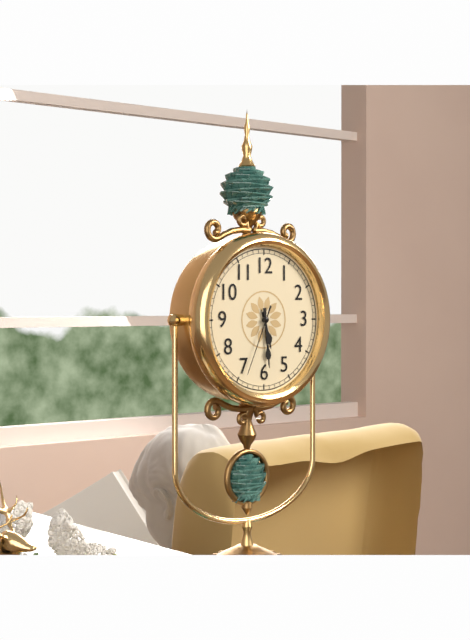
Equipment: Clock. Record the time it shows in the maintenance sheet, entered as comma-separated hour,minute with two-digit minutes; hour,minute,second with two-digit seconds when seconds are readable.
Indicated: 5,29,34
